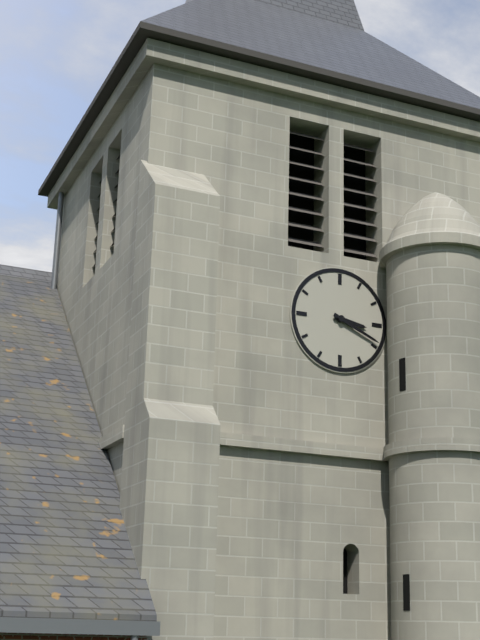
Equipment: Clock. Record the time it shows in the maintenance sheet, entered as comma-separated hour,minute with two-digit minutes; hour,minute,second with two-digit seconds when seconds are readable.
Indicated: 3,19
